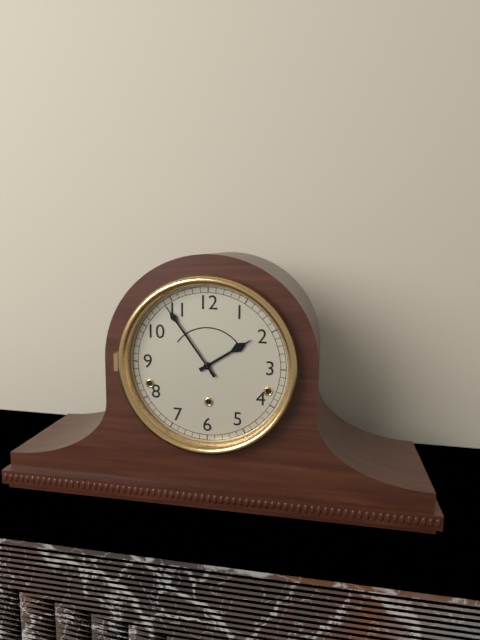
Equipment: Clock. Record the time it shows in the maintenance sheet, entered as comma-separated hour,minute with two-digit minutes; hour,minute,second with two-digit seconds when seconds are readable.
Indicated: 1,54
